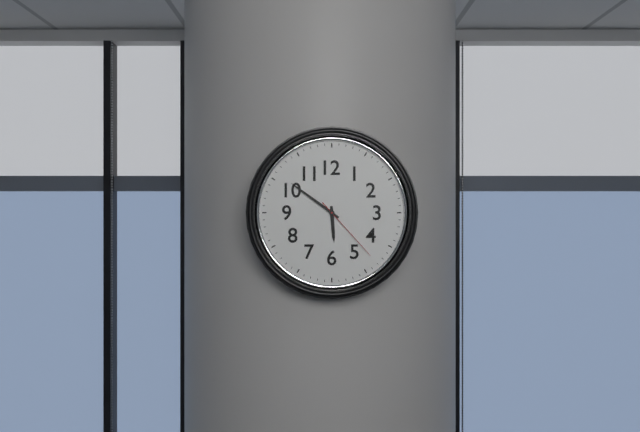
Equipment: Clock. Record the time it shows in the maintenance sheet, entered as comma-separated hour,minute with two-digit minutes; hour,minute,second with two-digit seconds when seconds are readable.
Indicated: 5,51,23
